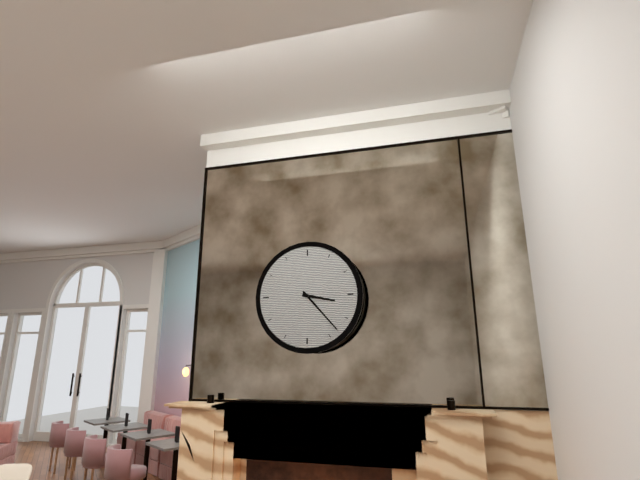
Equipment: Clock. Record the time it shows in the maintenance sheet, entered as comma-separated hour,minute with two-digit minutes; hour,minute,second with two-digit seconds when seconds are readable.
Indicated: 3,23
